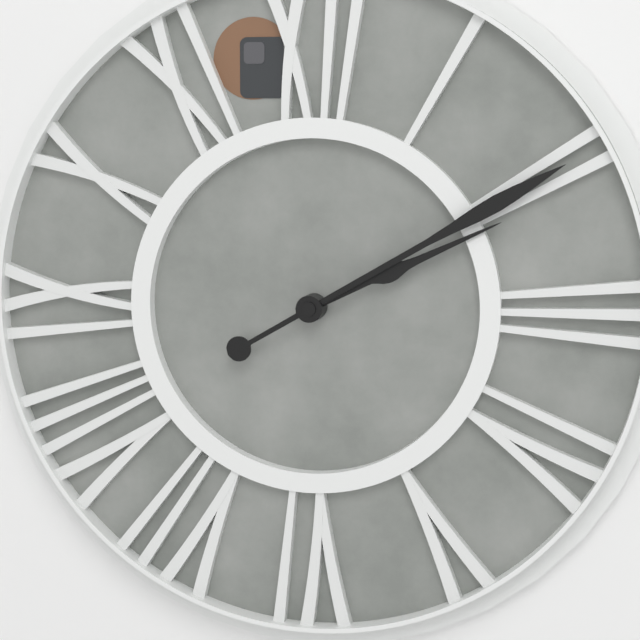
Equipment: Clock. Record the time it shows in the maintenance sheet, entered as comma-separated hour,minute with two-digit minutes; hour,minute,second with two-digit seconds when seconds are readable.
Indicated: 2,10
